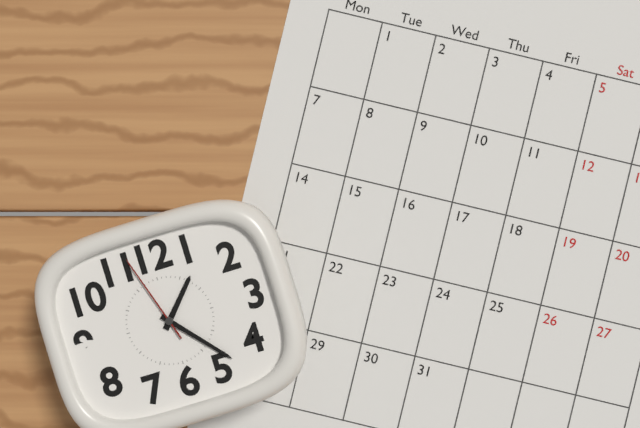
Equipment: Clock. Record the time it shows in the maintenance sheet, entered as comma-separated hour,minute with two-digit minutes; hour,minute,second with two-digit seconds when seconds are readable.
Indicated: 1,23,57
